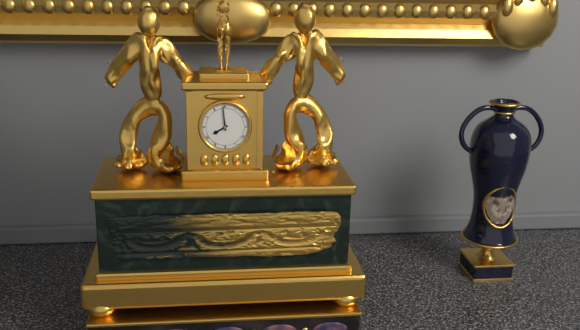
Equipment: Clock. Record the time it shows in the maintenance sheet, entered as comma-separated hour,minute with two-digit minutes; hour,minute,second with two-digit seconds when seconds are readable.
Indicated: 7,59
